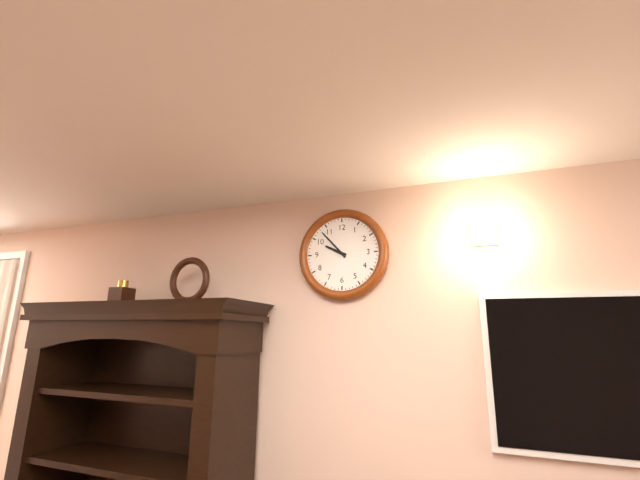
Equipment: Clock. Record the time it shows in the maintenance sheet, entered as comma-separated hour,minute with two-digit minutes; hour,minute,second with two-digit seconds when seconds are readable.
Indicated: 9,53
